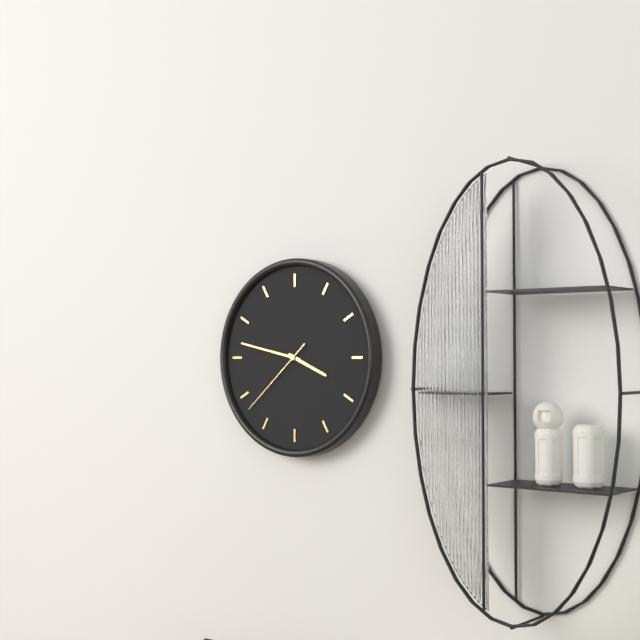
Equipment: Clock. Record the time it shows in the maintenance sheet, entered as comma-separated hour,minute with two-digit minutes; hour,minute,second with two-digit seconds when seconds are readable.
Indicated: 3,47,38
